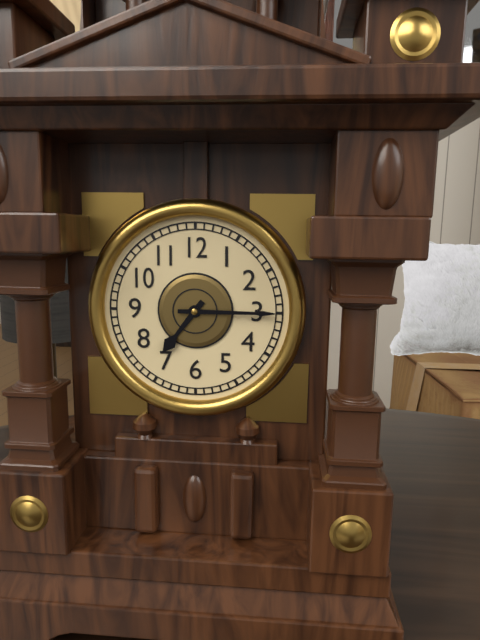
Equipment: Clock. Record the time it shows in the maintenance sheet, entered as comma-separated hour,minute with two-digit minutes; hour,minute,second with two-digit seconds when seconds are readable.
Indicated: 7,15
